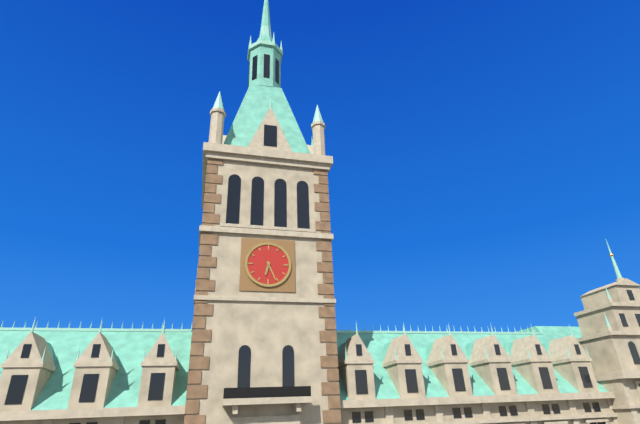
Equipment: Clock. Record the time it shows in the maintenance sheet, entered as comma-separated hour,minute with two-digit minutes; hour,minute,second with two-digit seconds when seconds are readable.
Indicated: 6,26
